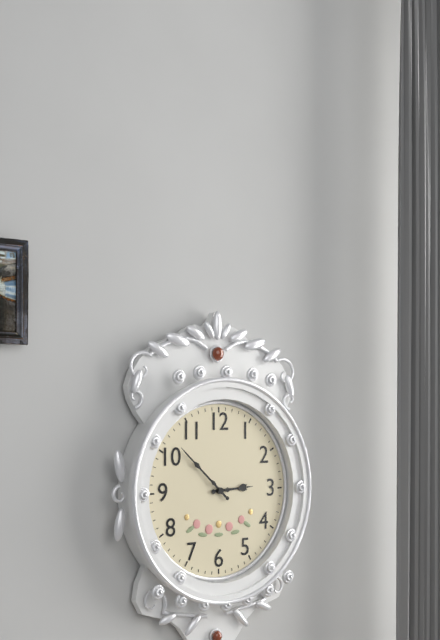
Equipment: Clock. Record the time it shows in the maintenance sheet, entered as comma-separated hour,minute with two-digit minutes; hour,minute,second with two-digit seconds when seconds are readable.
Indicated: 2,52
